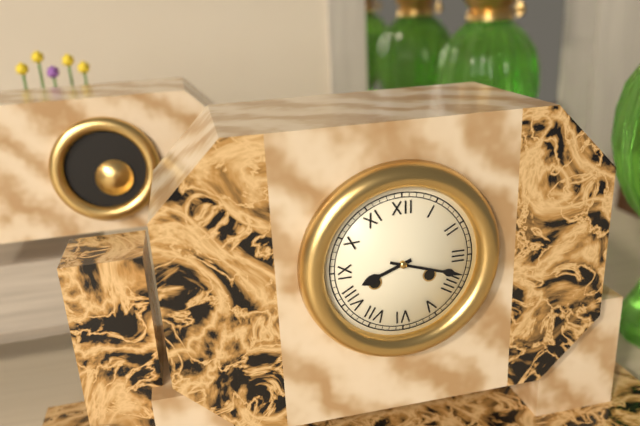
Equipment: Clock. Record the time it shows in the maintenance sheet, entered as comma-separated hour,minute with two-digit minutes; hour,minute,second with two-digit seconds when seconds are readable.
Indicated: 8,18
